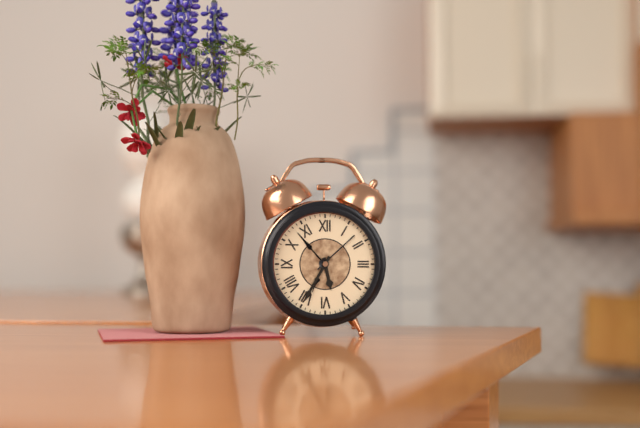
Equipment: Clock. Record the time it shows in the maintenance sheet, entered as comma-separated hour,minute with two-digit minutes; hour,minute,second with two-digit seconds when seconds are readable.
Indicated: 5,35
